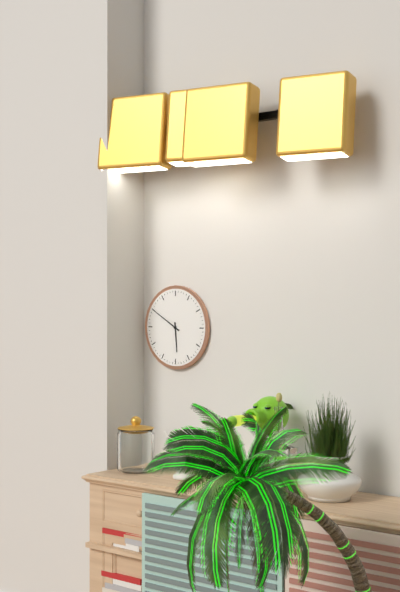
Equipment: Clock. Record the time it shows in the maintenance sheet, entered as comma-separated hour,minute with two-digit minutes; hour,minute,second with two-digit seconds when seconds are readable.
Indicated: 5,50
